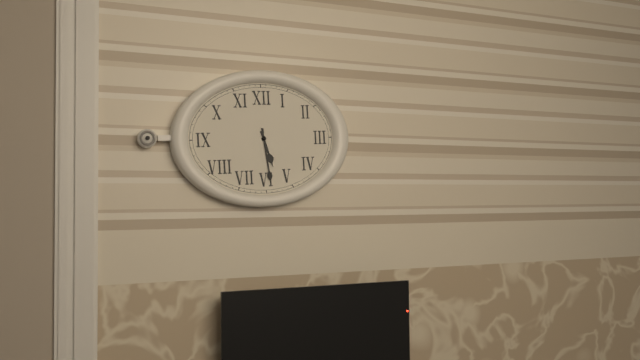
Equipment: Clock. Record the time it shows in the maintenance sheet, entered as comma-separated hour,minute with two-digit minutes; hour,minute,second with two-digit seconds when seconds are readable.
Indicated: 5,29
